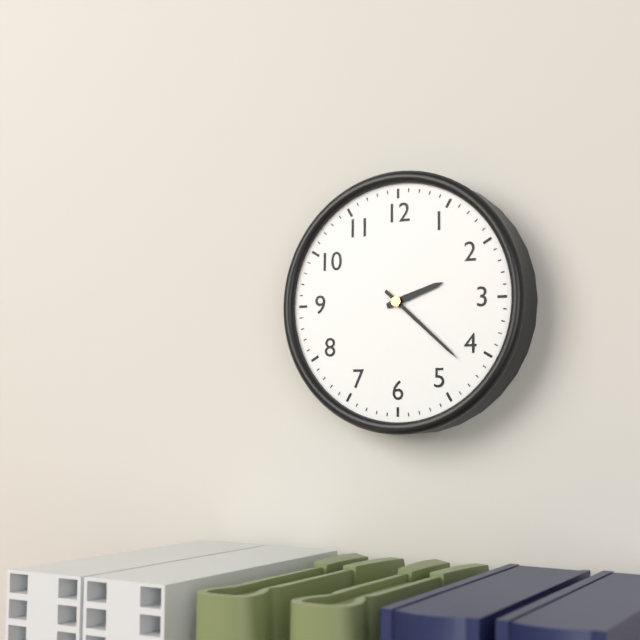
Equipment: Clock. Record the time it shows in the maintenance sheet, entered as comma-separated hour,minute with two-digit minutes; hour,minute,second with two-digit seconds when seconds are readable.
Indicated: 2,22
